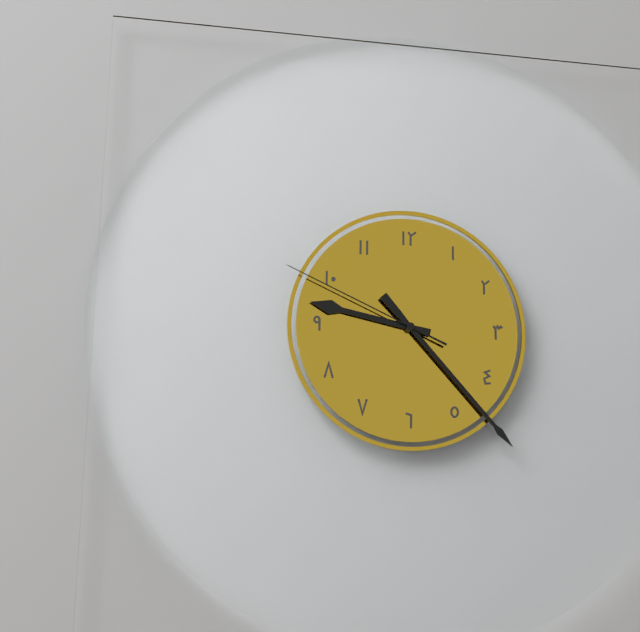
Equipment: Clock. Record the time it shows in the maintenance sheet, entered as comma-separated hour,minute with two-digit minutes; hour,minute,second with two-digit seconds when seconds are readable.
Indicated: 9,23,49
